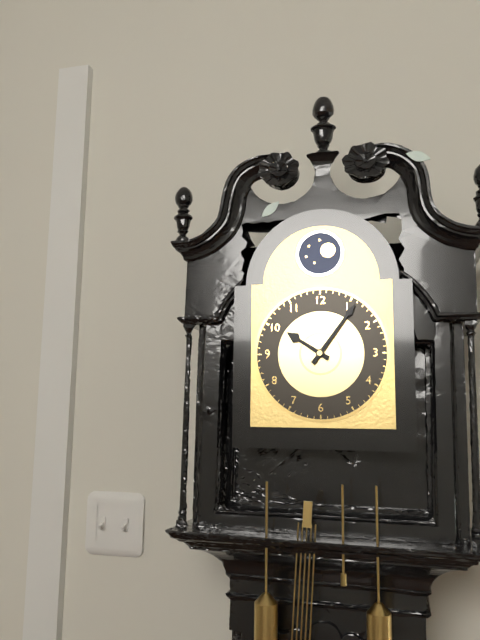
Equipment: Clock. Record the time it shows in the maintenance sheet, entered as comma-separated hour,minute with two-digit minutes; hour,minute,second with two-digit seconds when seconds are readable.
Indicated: 10,06
